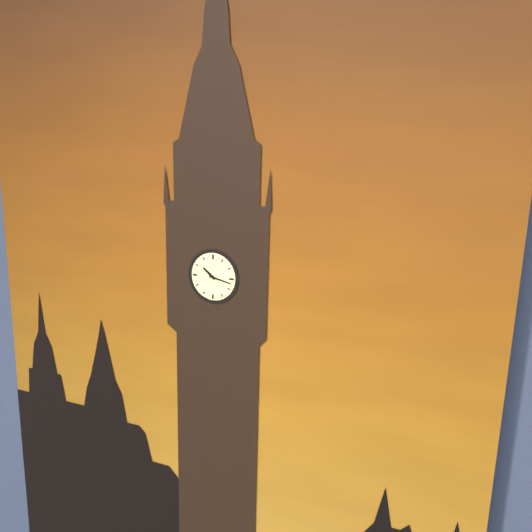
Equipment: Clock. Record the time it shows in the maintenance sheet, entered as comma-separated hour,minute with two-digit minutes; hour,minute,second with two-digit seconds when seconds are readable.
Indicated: 10,17
